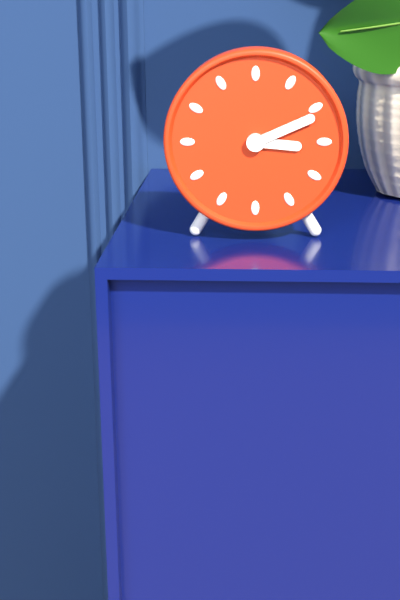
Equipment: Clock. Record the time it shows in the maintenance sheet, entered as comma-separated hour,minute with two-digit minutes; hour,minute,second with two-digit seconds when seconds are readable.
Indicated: 3,11
